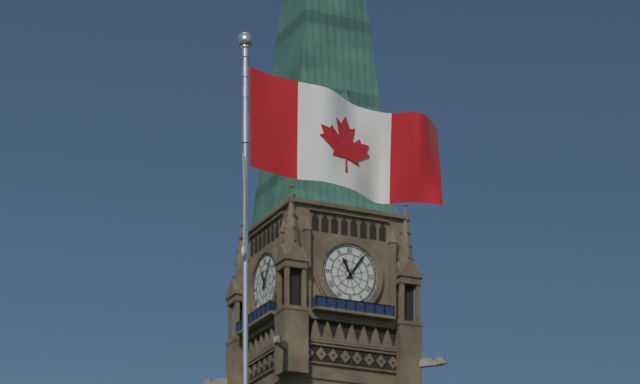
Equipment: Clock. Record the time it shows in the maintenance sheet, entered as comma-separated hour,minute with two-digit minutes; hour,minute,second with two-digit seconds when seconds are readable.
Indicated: 11,06
